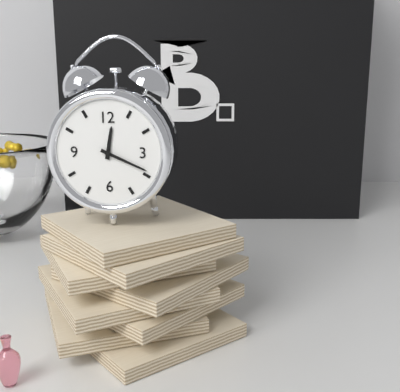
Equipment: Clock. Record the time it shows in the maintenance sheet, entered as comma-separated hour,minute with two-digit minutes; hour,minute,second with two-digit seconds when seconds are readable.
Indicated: 12,19
